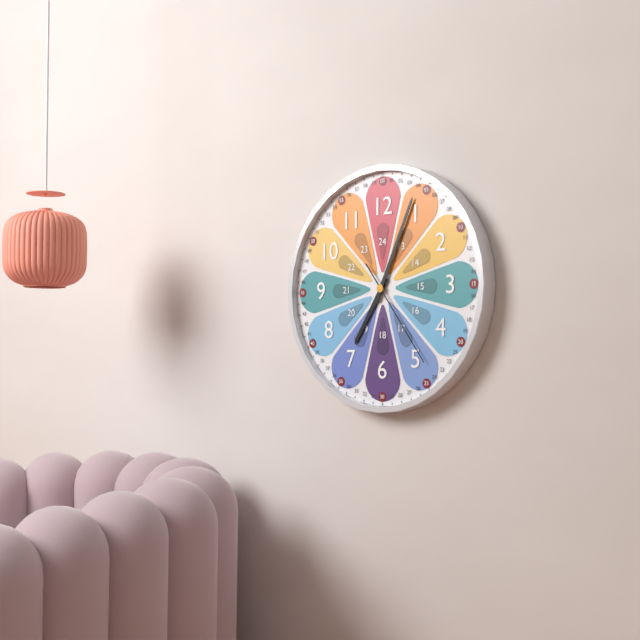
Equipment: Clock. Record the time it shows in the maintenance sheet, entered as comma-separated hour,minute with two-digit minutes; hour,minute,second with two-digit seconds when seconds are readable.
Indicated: 7,04,24
